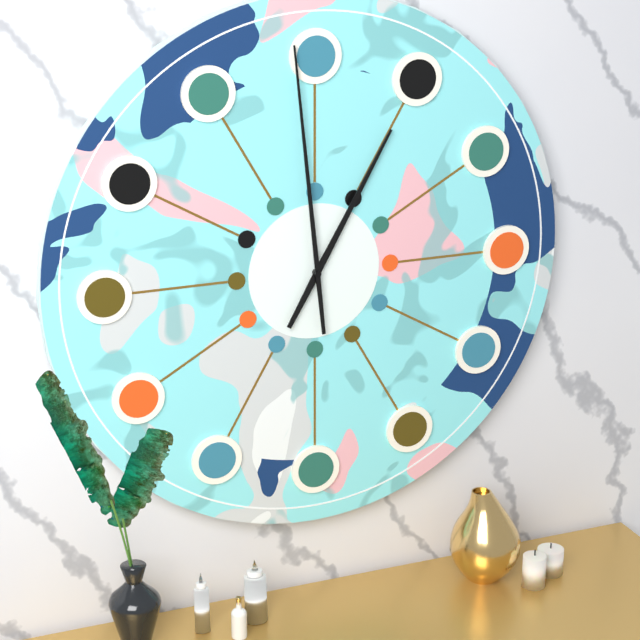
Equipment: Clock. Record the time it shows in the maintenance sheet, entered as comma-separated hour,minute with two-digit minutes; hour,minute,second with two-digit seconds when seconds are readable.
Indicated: 12,59
